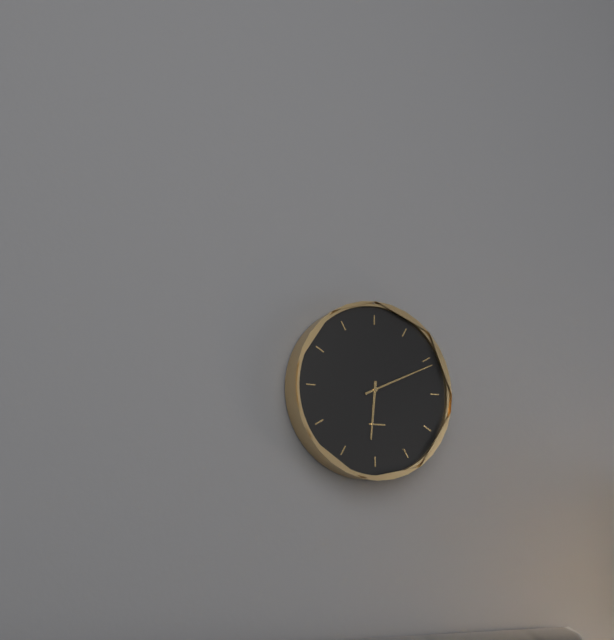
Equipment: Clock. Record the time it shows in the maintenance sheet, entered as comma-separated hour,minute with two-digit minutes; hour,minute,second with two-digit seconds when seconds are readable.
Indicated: 6,11
